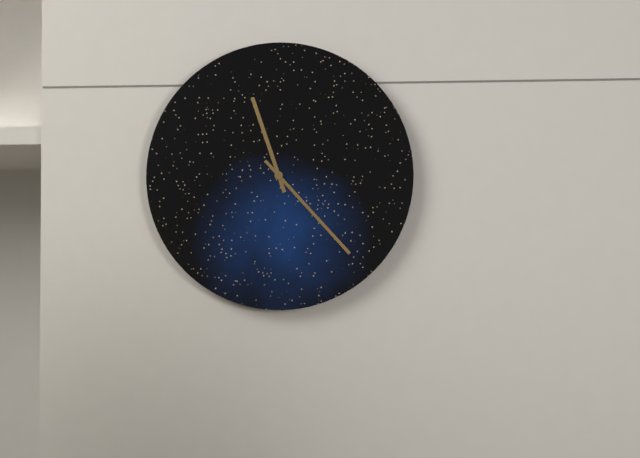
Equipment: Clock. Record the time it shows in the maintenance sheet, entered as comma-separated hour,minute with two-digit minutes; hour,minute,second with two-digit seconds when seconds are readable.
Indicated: 11,23
